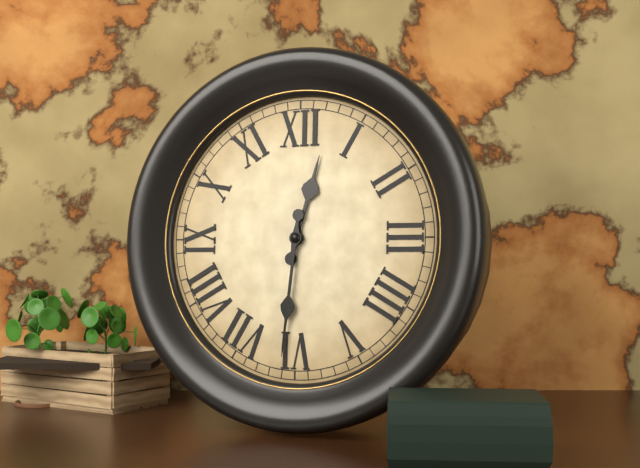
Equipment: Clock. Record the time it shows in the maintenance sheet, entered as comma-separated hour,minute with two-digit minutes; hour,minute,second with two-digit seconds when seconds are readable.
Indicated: 12,31
